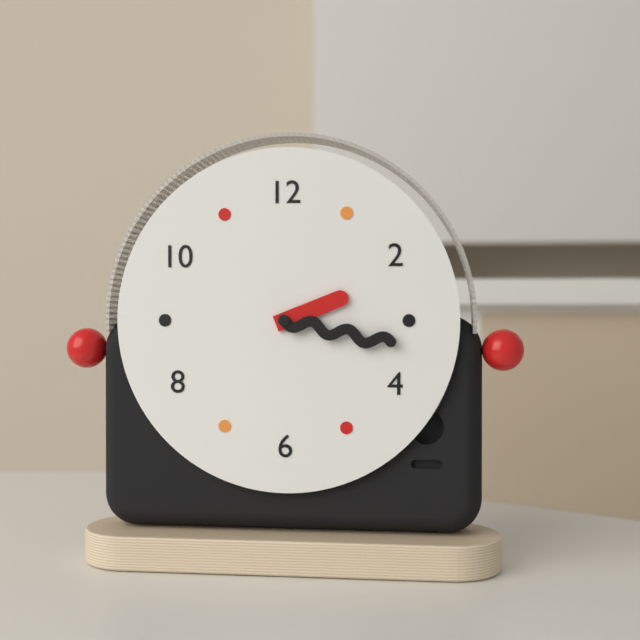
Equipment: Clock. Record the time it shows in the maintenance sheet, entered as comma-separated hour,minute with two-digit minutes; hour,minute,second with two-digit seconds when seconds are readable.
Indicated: 2,17
